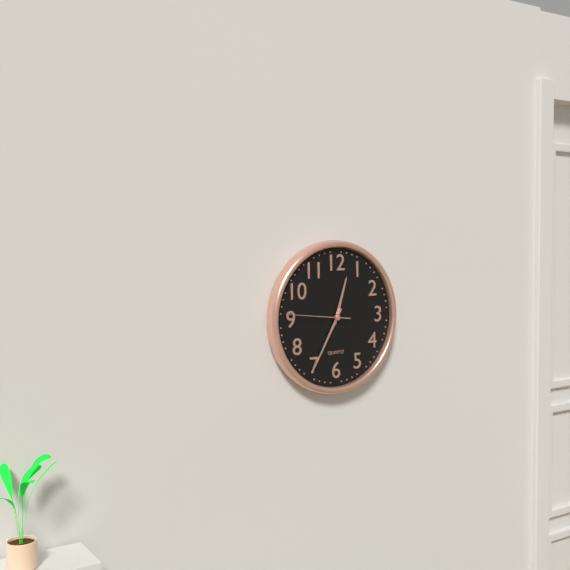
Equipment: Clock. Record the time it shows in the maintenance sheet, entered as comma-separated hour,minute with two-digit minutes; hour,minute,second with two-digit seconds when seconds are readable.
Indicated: 12,35,46
